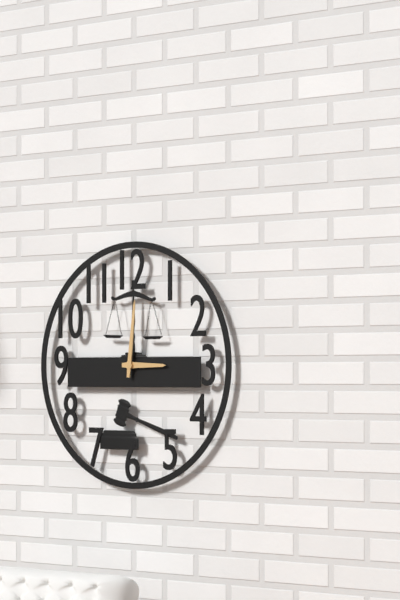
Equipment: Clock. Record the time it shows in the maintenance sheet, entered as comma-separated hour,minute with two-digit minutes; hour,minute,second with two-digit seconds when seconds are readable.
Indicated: 3,01
